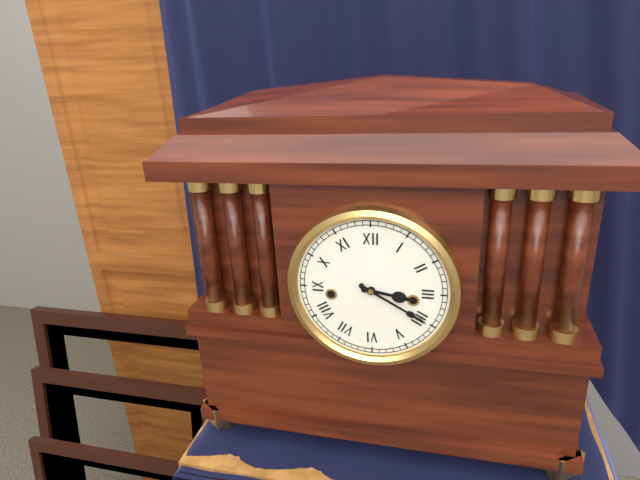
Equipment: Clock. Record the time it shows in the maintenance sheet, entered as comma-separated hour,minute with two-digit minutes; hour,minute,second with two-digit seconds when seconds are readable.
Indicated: 3,20
